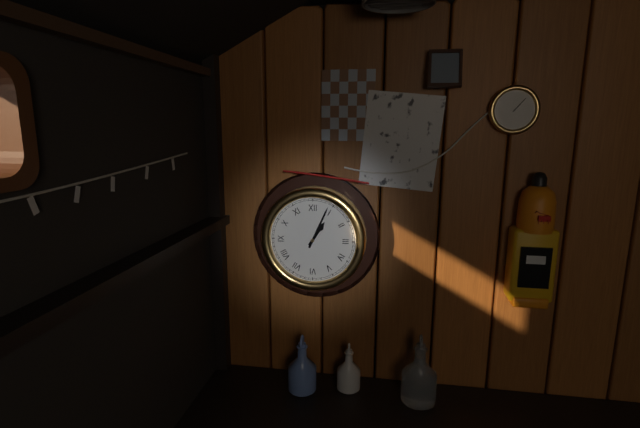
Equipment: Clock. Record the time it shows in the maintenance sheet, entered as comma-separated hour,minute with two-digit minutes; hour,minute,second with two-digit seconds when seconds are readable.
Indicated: 1,04
